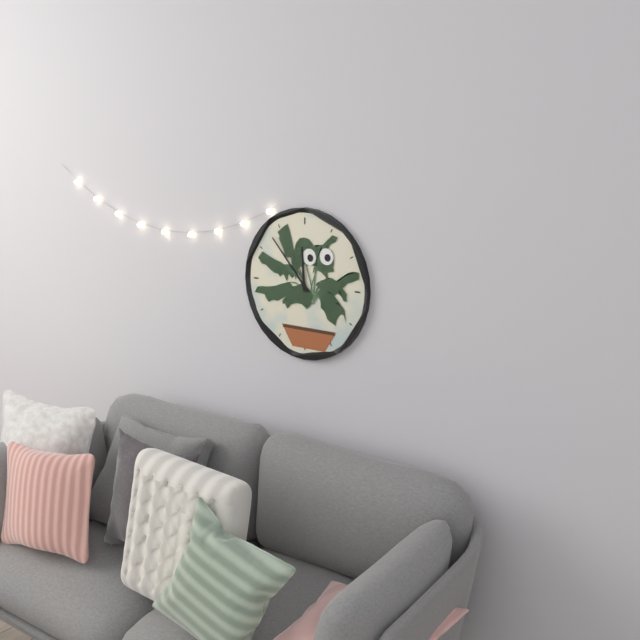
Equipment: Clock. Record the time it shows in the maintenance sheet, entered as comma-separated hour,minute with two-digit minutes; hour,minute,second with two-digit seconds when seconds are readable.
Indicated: 11,53
